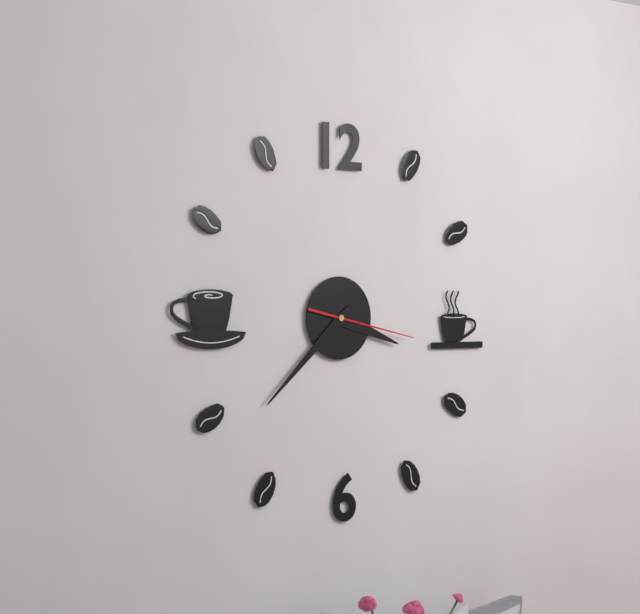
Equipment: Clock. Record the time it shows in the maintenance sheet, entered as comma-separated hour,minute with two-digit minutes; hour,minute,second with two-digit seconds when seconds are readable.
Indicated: 3,38,17
